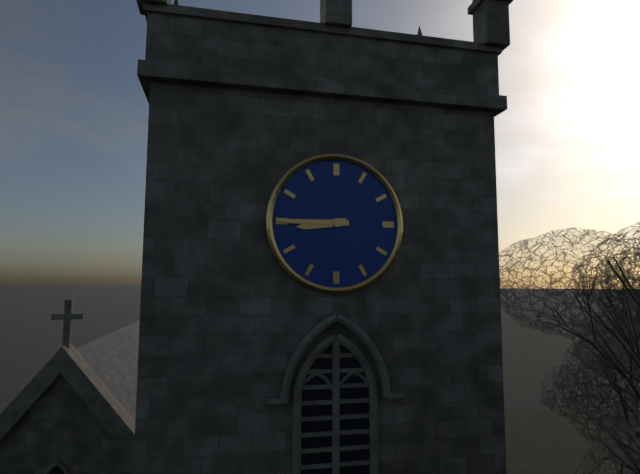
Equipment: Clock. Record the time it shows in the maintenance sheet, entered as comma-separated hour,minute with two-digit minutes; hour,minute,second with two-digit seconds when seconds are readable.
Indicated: 8,45
